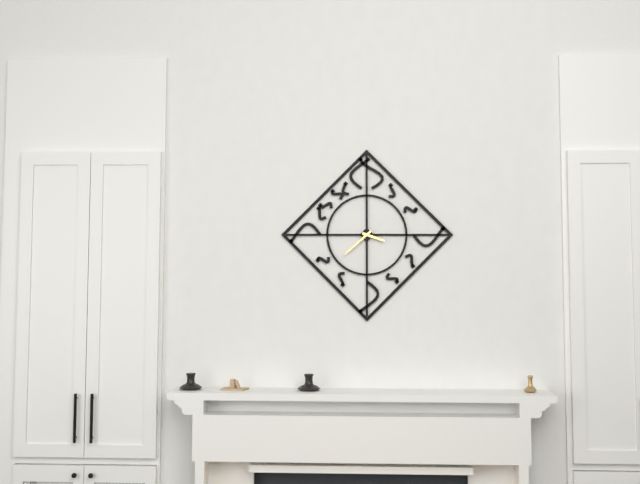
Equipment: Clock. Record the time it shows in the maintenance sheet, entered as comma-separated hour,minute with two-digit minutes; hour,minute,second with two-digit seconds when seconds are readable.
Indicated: 3,38
